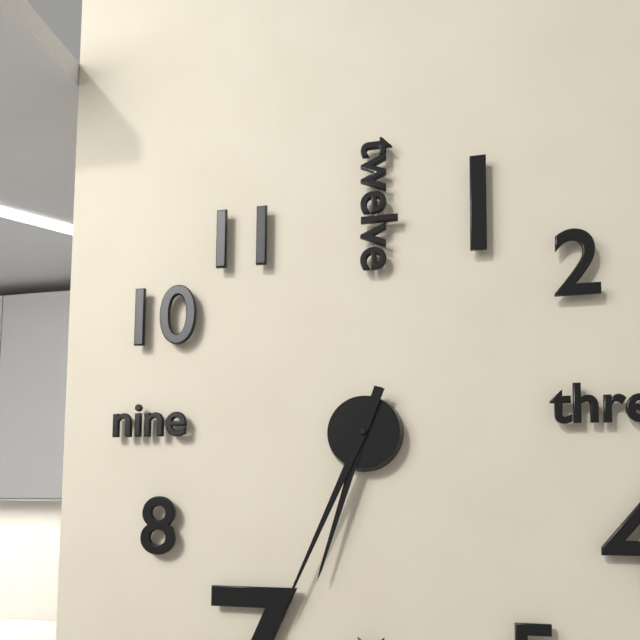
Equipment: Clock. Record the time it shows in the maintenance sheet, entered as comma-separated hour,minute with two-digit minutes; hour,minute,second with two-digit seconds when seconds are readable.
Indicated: 6,34
